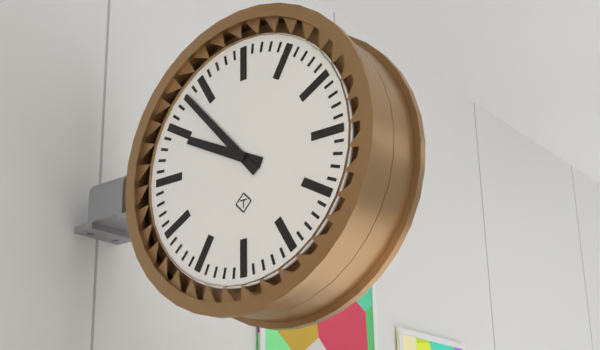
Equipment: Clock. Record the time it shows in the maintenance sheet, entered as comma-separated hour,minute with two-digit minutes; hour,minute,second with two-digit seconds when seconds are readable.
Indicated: 9,53
